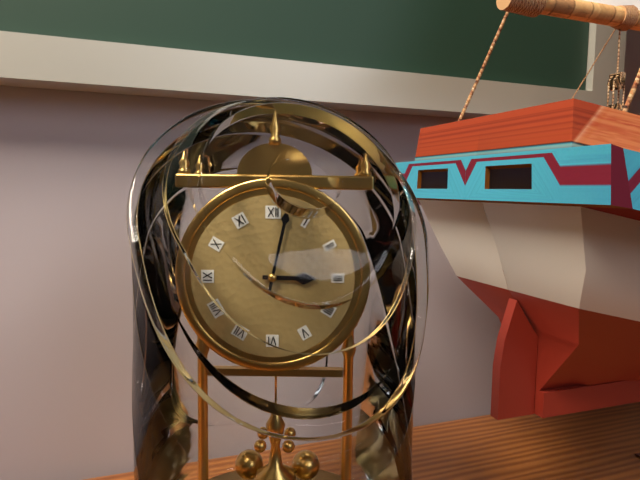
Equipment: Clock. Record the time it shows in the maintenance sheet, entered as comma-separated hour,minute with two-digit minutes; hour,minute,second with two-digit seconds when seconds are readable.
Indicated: 3,02
